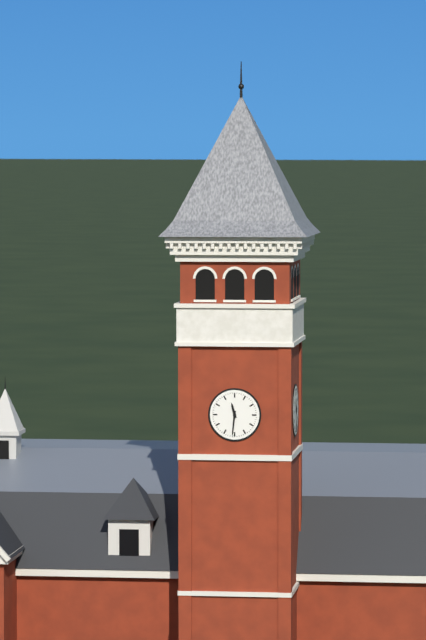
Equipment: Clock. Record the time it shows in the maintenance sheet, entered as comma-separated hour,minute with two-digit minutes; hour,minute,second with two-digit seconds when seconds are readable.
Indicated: 11,31
